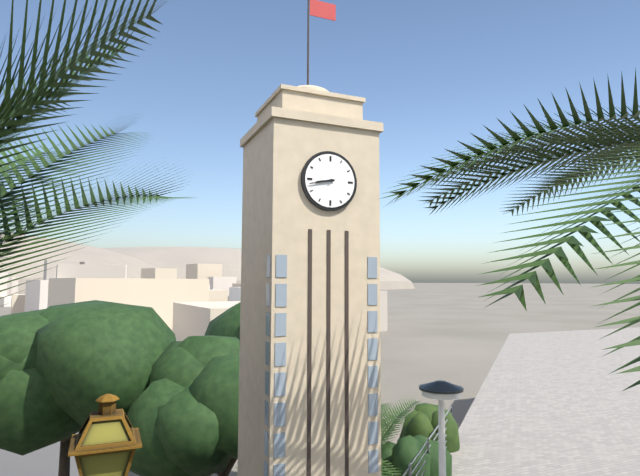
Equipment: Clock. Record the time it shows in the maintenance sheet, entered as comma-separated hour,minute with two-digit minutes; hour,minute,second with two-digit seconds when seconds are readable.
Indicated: 8,43
